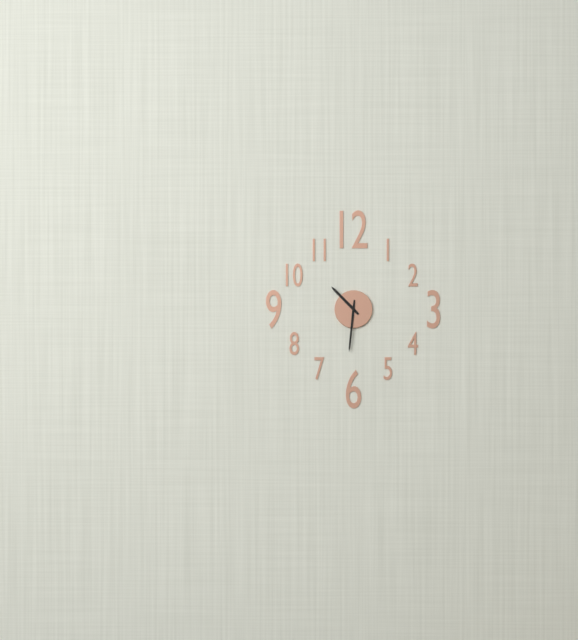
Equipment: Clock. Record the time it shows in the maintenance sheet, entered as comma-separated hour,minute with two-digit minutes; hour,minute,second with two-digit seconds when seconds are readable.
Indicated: 10,31
